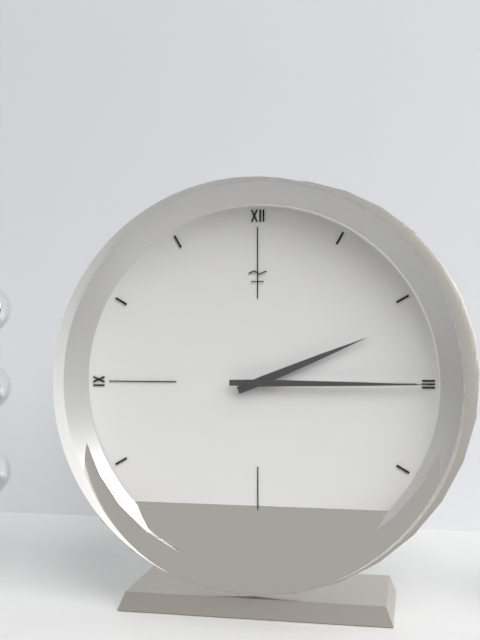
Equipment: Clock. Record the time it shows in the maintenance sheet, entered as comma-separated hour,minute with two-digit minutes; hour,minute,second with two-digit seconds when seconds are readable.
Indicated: 2,15
